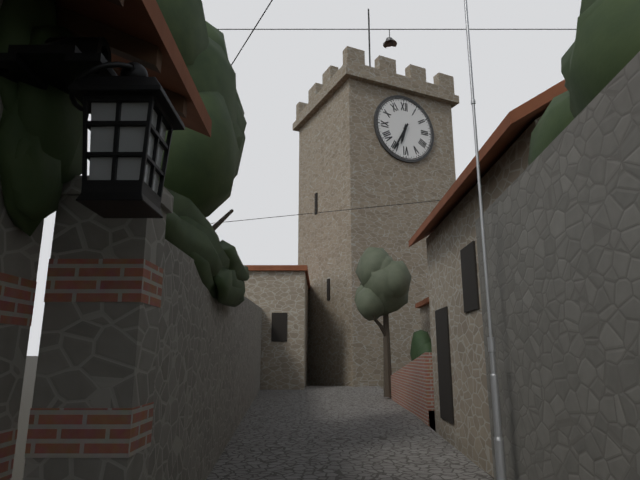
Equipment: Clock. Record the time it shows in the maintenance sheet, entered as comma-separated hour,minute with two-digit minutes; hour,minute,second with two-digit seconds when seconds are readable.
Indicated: 6,35
